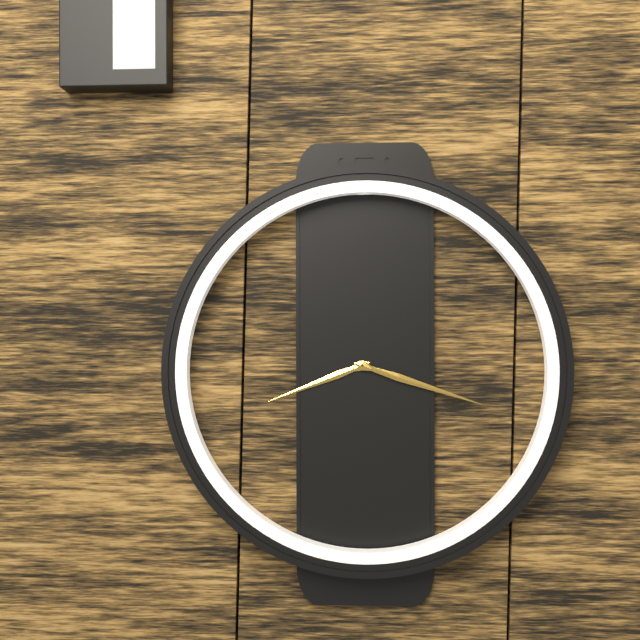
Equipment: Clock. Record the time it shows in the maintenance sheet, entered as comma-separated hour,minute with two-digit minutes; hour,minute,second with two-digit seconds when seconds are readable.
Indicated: 8,18
